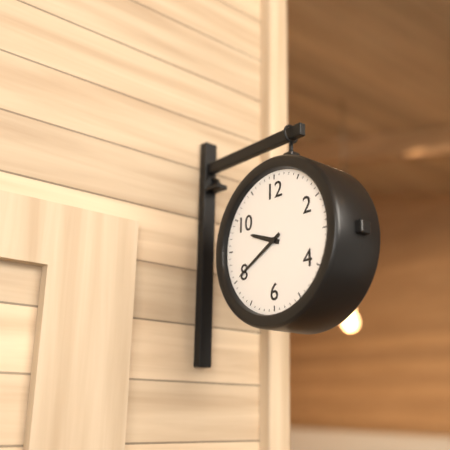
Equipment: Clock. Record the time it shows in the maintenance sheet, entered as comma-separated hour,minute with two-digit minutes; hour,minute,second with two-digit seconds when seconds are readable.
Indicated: 9,40
